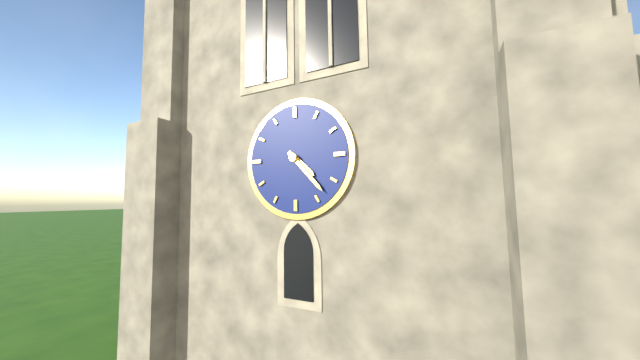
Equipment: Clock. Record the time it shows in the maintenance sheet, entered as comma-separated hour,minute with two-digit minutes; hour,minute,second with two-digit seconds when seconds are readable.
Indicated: 4,23
